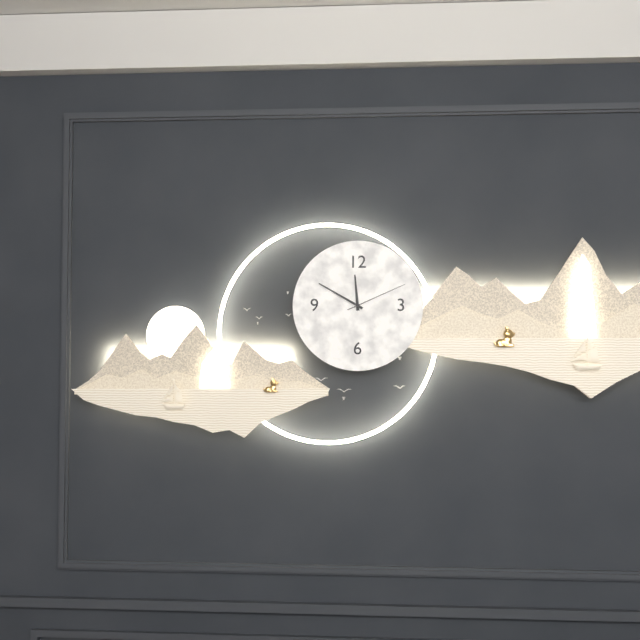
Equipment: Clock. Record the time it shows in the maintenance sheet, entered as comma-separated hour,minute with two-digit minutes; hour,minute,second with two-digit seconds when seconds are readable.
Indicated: 11,50,11
